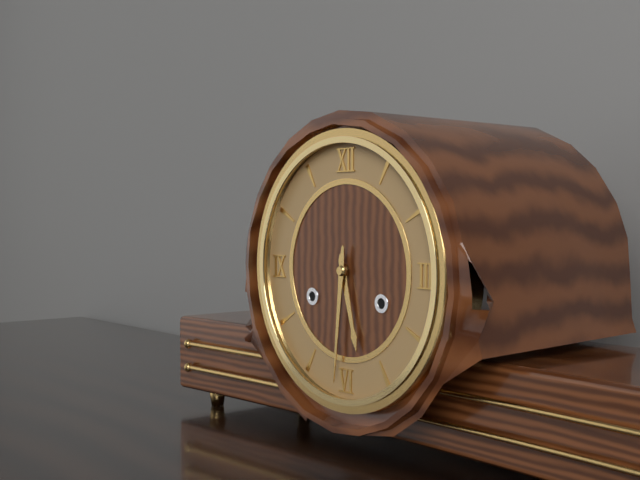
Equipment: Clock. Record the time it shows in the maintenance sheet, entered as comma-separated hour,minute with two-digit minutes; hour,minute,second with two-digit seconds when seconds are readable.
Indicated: 5,31
